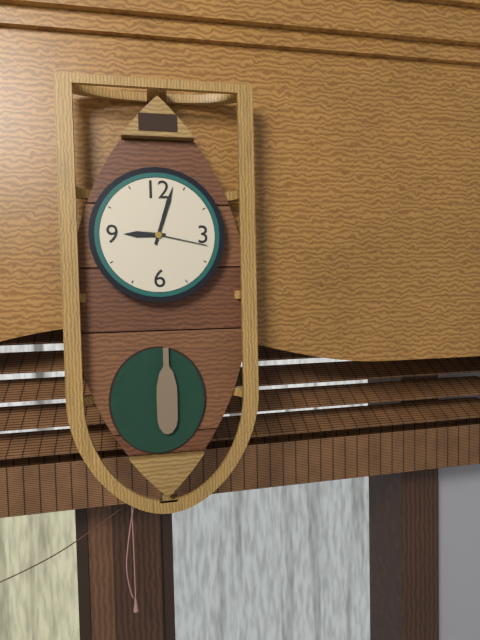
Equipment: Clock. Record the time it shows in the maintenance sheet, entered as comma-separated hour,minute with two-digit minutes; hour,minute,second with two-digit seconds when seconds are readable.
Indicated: 9,03,17
